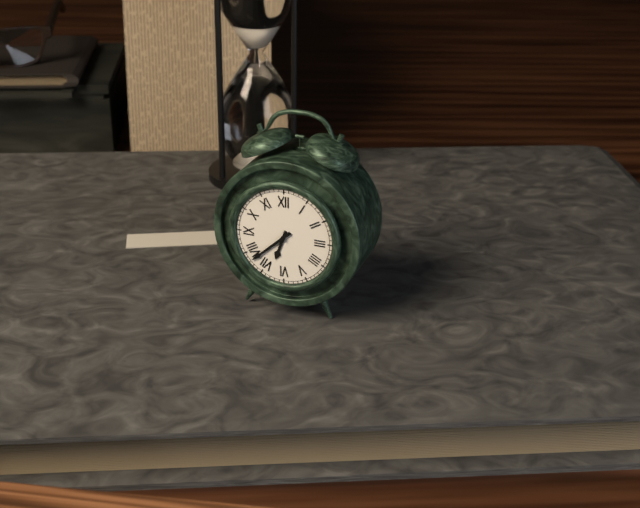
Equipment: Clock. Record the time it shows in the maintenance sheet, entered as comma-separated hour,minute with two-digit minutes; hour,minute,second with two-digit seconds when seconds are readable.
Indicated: 6,38
